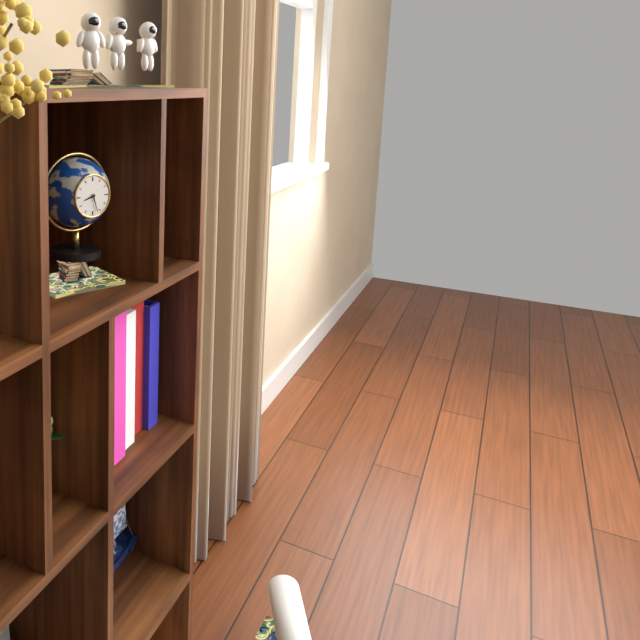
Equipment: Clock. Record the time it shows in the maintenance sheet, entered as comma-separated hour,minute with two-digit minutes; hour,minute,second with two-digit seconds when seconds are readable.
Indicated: 8,27
